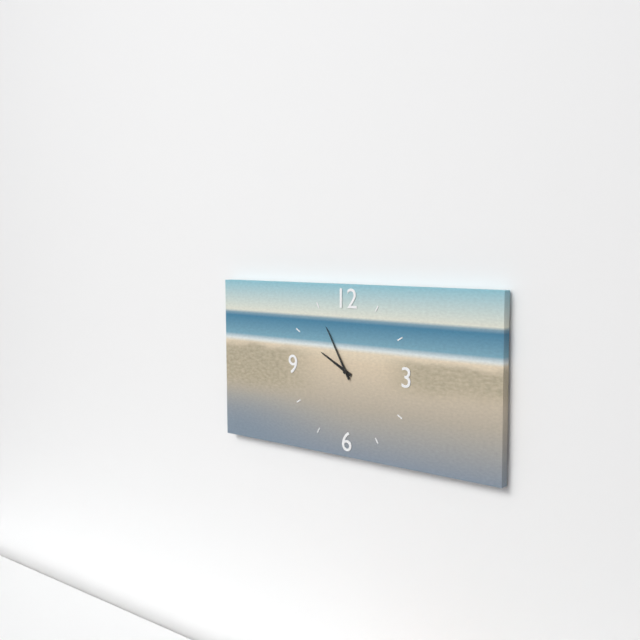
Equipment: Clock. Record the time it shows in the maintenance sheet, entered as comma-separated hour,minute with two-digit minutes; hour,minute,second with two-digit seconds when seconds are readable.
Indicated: 9,55
